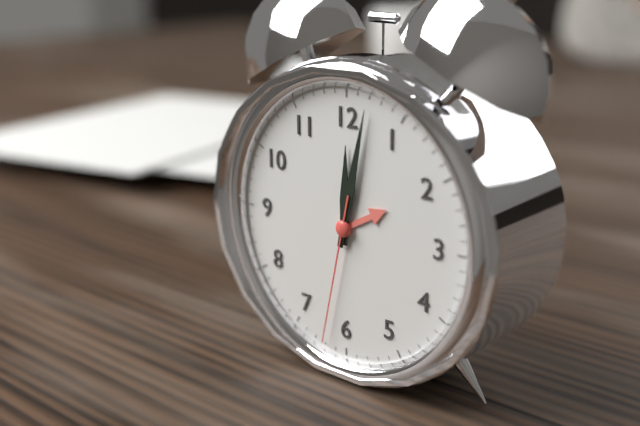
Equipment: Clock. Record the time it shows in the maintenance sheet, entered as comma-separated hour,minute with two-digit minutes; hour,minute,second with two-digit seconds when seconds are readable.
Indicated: 12,02,32
